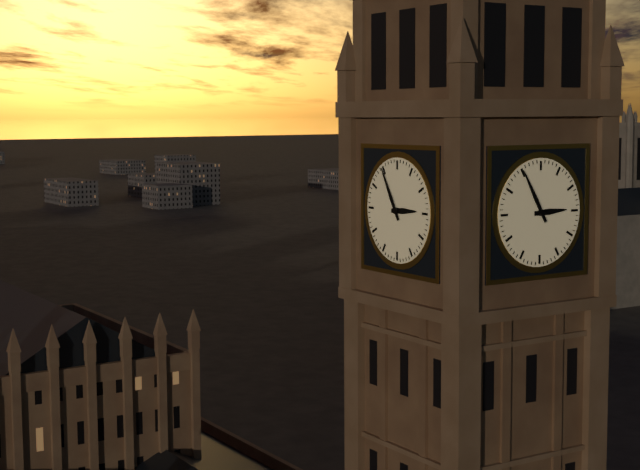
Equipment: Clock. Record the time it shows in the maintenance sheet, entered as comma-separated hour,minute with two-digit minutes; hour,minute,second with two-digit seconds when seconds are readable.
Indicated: 2,55
